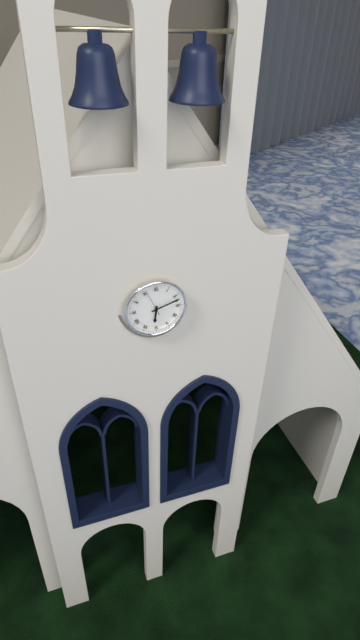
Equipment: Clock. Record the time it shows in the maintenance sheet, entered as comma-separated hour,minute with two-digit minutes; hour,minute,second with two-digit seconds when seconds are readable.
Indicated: 6,12
